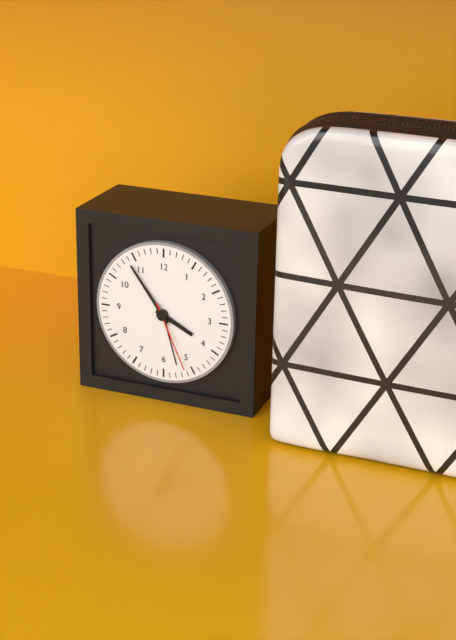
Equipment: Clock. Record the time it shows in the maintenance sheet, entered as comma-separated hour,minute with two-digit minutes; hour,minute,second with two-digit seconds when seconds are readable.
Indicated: 3,54,26
